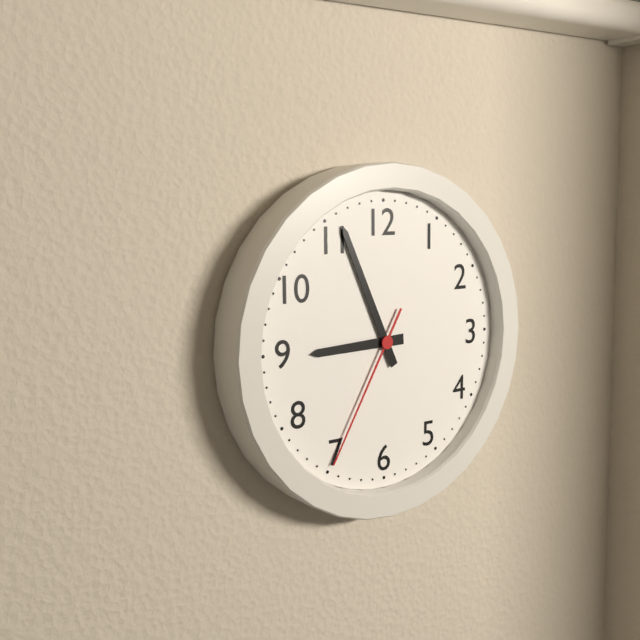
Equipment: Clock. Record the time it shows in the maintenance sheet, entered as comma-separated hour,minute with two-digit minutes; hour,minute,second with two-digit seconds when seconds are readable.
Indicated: 8,56,35
